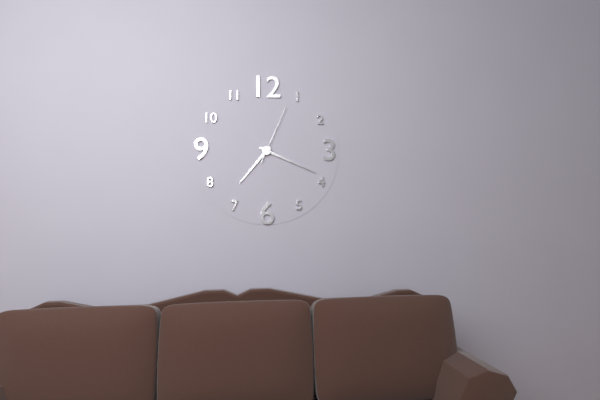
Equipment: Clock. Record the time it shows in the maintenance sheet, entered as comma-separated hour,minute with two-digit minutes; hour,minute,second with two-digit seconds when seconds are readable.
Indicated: 7,19,04
